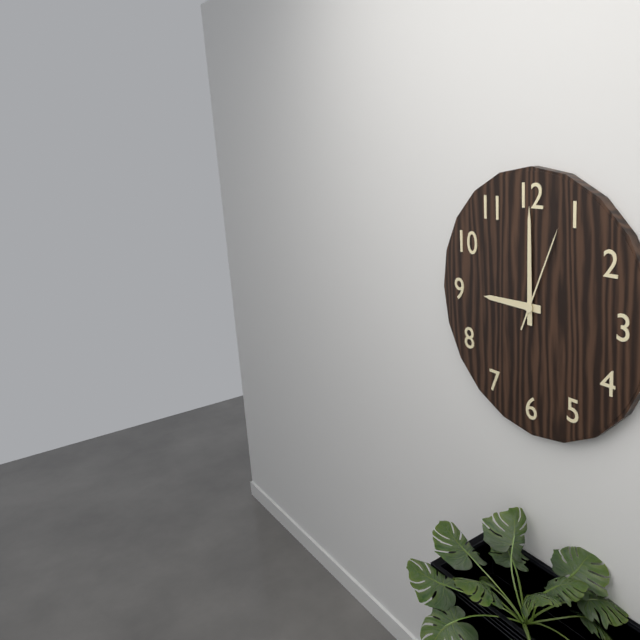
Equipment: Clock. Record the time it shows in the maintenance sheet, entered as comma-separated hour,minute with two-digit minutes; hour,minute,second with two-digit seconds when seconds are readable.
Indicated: 9,00,04
